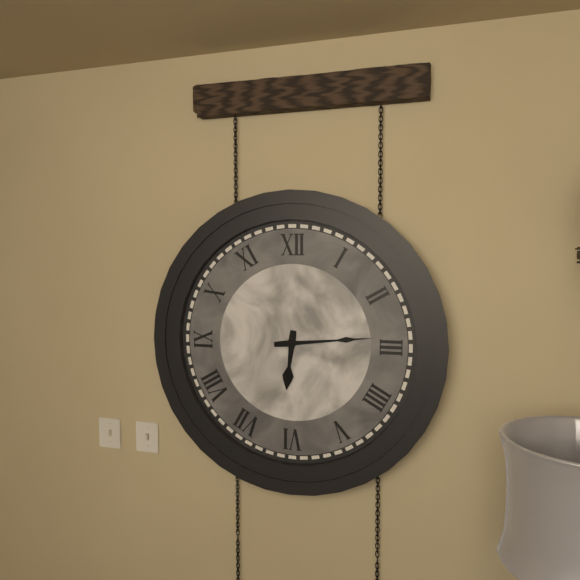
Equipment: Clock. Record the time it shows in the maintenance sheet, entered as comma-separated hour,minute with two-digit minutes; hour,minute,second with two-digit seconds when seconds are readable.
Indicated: 6,14
